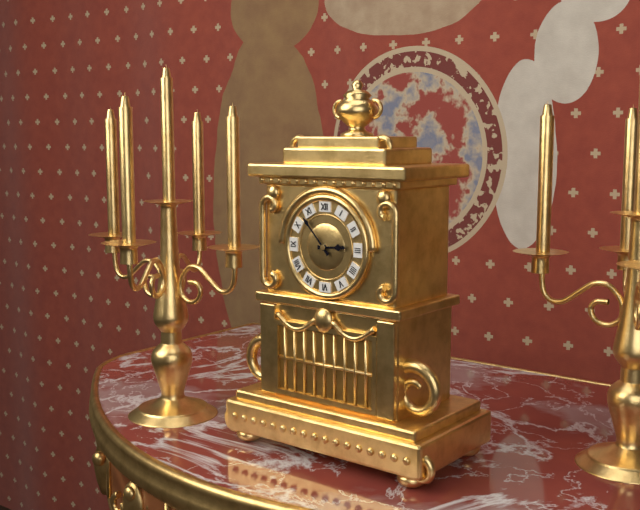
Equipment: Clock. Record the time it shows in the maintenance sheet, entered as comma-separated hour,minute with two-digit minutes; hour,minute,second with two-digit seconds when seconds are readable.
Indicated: 2,53
